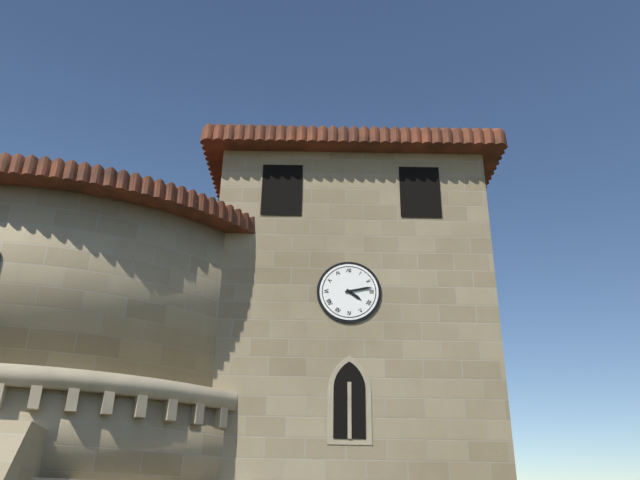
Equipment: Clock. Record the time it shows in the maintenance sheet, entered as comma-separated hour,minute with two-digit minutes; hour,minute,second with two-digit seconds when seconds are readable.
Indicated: 4,13
